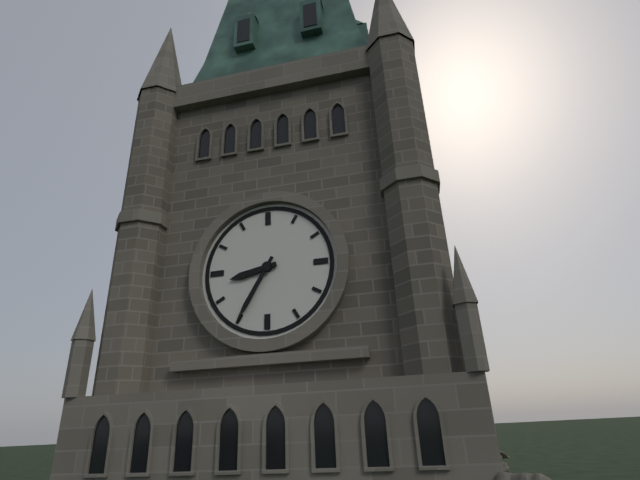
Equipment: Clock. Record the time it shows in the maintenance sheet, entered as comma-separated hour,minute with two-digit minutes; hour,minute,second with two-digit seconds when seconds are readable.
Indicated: 8,35
